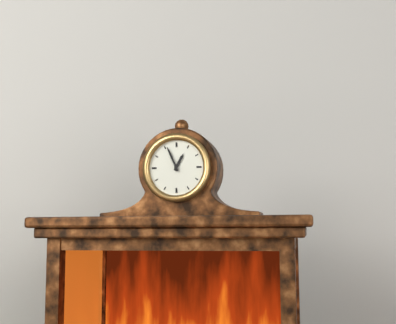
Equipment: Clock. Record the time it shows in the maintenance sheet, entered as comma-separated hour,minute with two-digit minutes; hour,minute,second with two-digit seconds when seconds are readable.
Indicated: 12,56
